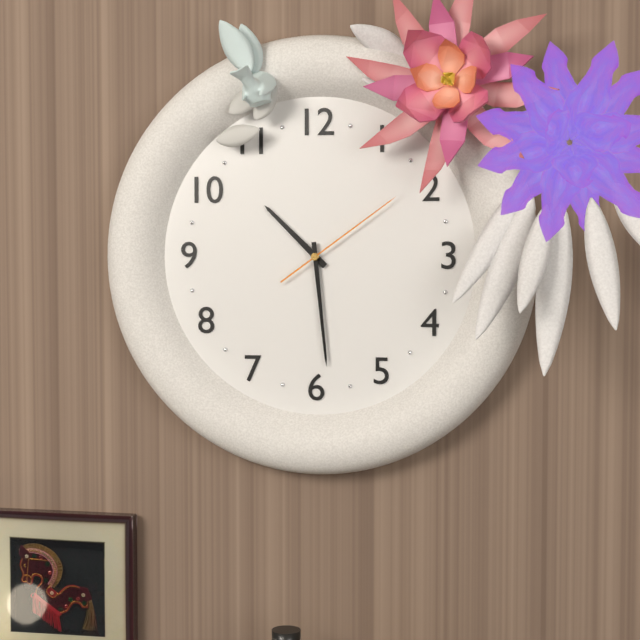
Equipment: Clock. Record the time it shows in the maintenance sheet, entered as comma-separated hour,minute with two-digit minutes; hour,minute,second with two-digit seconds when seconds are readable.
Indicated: 10,29,09
